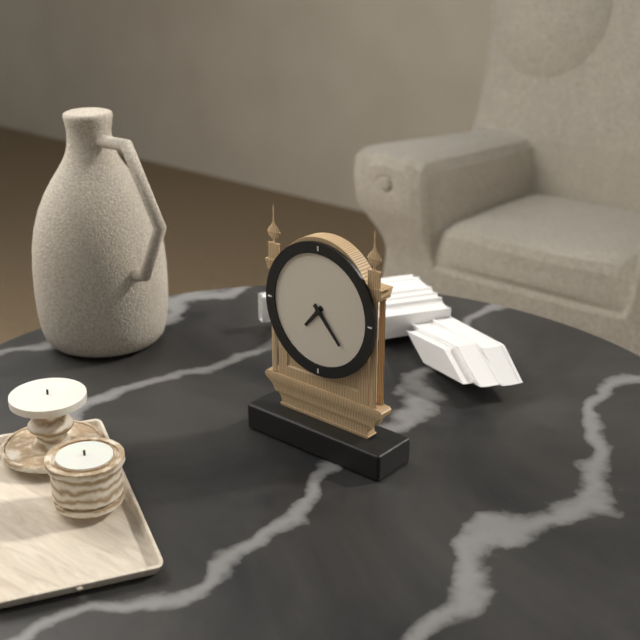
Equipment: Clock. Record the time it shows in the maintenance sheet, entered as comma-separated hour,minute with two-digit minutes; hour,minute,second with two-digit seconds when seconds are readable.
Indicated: 7,23
